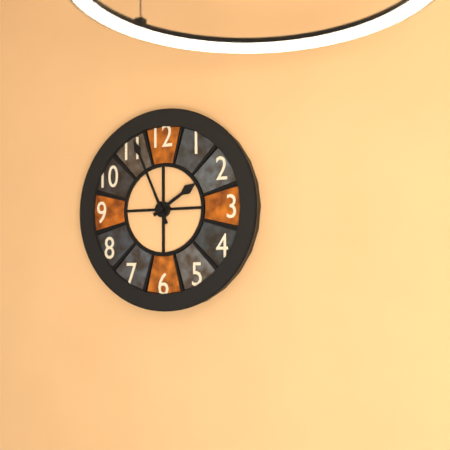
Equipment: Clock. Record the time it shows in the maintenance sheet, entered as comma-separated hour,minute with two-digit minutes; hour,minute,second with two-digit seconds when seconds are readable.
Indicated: 1,56
